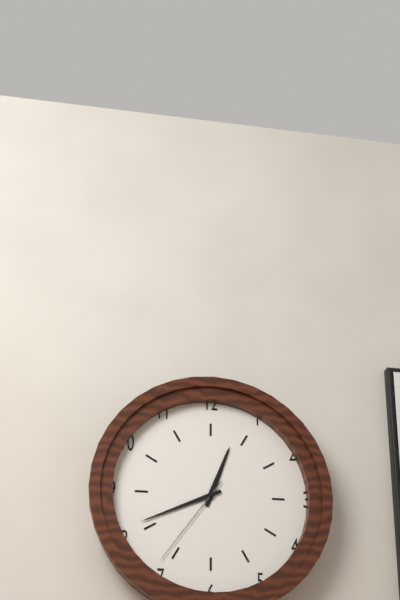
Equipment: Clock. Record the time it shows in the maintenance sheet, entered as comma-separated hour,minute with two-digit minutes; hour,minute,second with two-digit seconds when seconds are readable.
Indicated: 12,41,36
